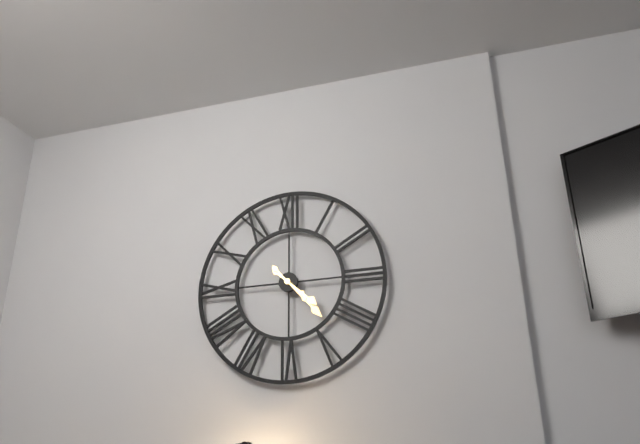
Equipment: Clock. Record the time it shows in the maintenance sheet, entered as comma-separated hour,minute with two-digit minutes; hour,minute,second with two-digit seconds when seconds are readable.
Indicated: 4,23
